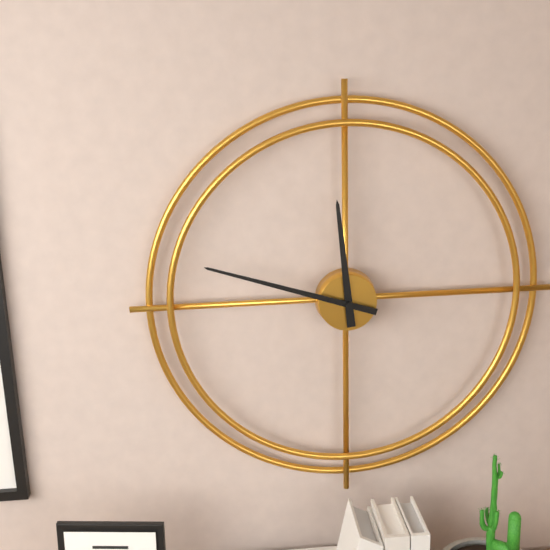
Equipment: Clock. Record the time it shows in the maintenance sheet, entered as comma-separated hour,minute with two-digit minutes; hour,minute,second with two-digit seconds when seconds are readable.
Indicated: 11,48
